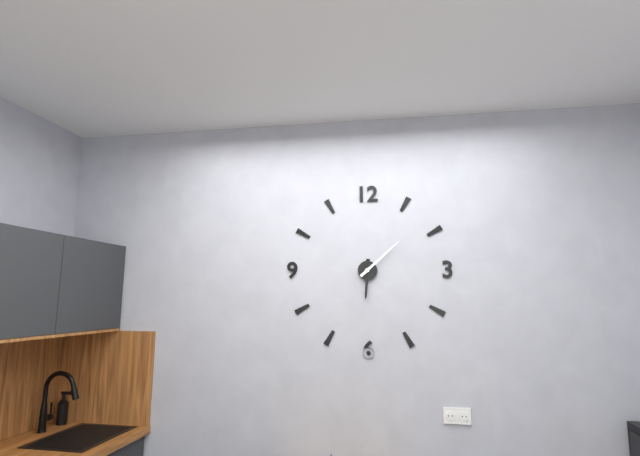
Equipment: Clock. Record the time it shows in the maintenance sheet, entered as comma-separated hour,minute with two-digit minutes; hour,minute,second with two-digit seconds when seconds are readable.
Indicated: 6,08
